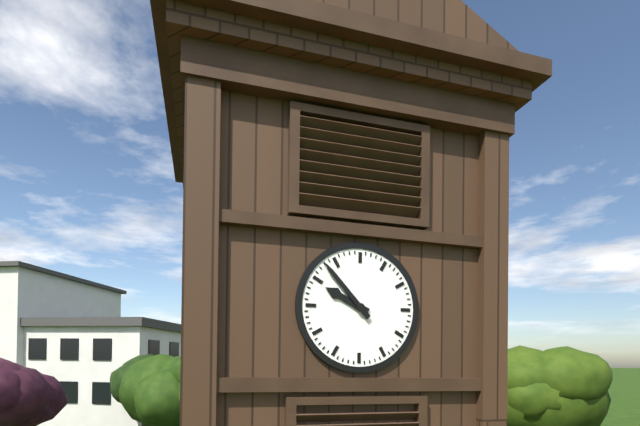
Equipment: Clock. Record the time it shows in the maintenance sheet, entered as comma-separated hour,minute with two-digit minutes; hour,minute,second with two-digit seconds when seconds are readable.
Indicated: 9,53
